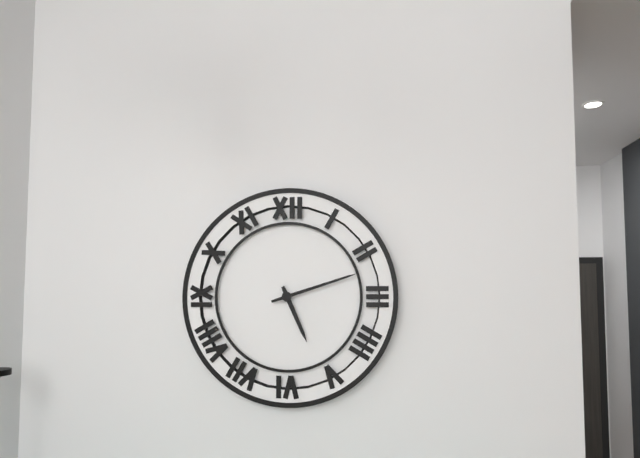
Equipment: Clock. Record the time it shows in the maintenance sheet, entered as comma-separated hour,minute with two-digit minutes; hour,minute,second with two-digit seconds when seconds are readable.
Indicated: 5,12
